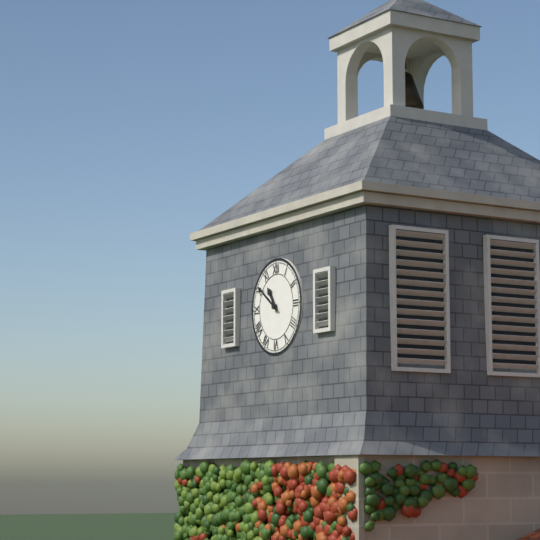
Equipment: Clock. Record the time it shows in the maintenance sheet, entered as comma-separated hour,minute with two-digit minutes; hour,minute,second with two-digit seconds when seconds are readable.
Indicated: 10,51
